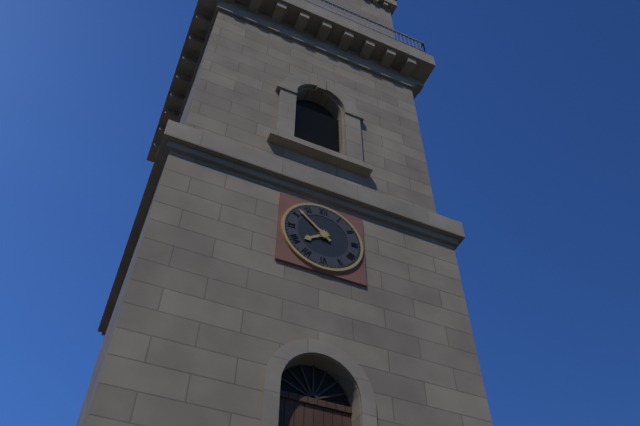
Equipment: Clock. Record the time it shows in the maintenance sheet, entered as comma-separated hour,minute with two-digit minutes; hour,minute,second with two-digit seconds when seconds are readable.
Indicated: 7,52
